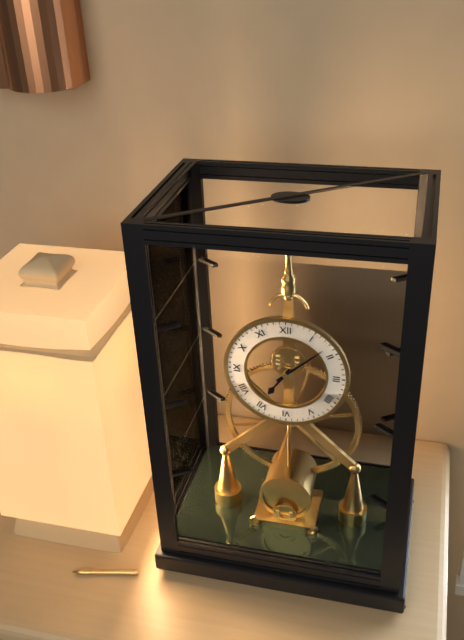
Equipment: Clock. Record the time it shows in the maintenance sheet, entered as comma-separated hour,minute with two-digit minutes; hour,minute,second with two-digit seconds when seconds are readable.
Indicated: 7,08
